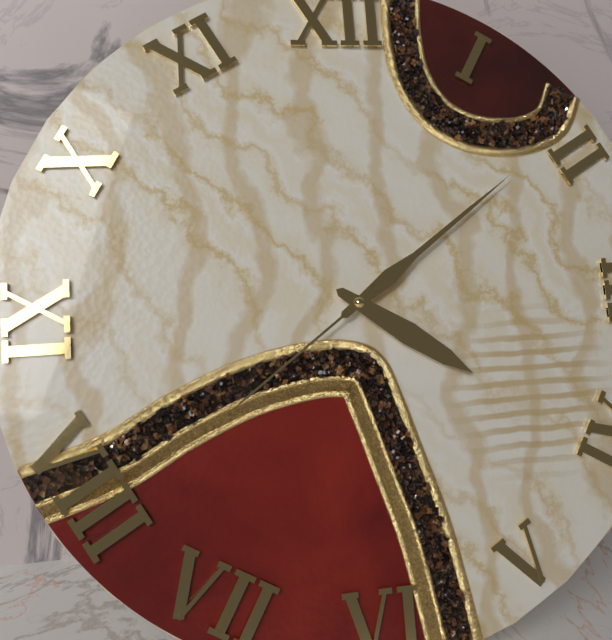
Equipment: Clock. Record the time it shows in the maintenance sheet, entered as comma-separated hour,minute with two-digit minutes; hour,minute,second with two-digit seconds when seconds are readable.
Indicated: 4,09,39
